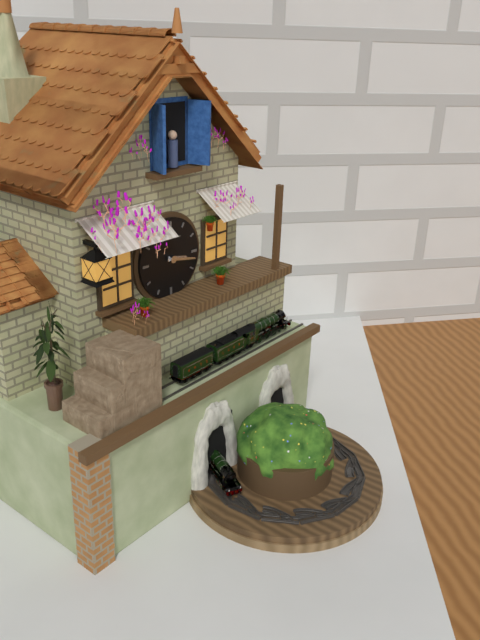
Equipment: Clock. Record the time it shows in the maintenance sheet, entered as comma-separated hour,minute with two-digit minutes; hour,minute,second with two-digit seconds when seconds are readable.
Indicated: 3,17
